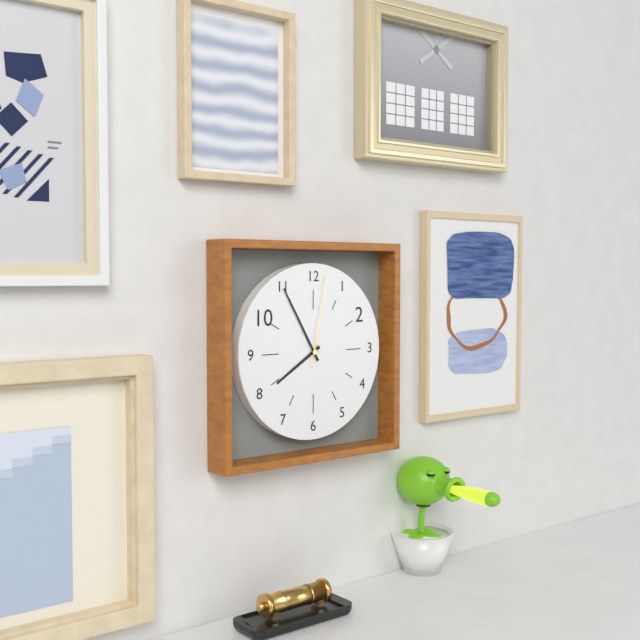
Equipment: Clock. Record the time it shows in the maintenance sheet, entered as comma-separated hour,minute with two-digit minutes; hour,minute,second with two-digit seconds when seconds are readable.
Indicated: 7,55,02
